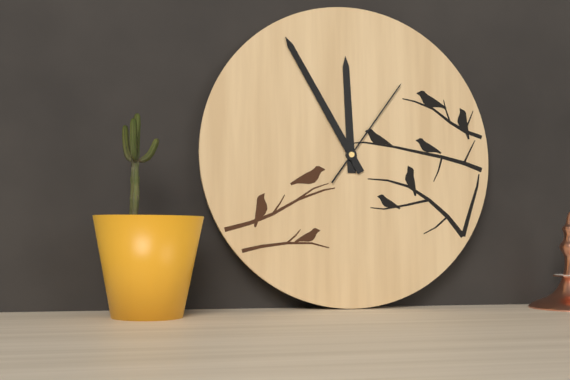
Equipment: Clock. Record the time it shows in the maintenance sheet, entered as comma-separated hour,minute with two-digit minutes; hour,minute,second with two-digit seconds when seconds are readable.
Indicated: 11,55,06
